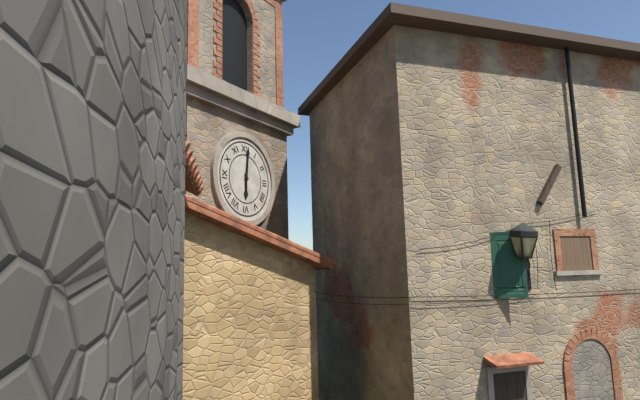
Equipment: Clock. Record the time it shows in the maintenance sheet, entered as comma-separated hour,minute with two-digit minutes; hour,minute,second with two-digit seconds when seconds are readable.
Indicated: 6,01
